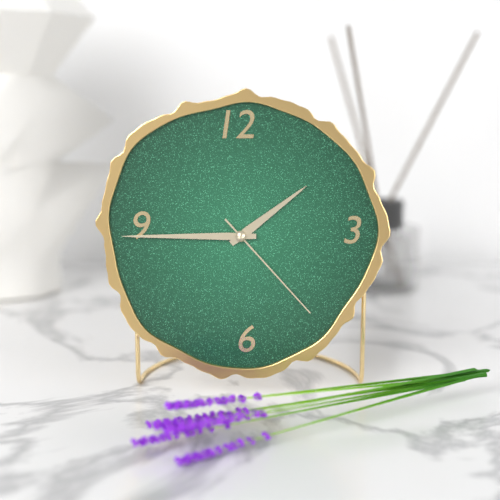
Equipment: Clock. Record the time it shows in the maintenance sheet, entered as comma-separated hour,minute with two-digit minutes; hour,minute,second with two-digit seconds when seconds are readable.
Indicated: 1,45,23
